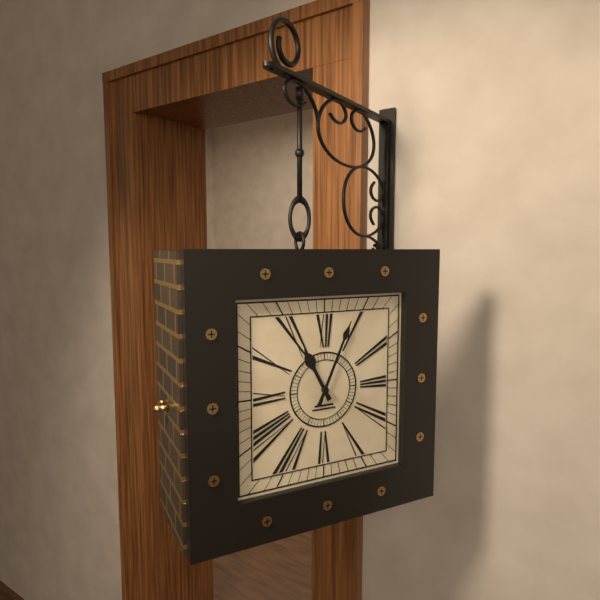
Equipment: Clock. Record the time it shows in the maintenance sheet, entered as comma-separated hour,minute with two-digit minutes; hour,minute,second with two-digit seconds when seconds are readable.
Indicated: 11,04
